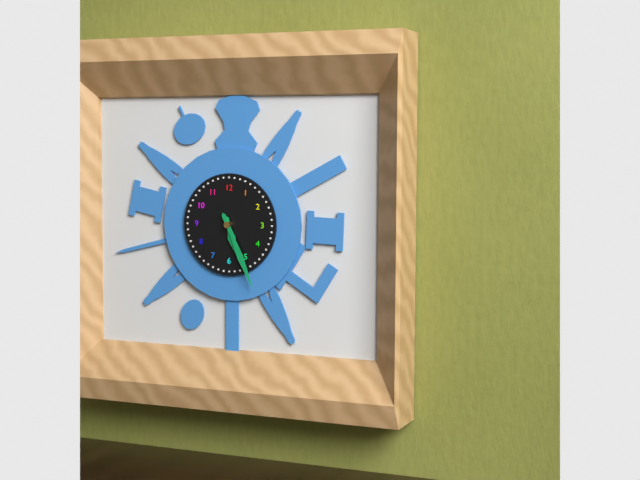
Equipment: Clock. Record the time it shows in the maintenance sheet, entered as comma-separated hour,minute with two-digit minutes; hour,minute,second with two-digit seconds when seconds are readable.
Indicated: 5,26
